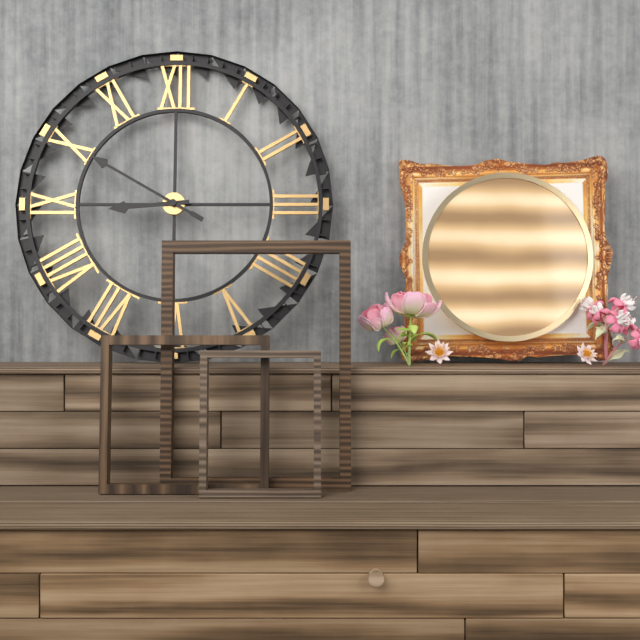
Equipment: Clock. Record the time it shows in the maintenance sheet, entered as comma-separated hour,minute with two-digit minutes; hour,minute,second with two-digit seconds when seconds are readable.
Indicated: 8,50
